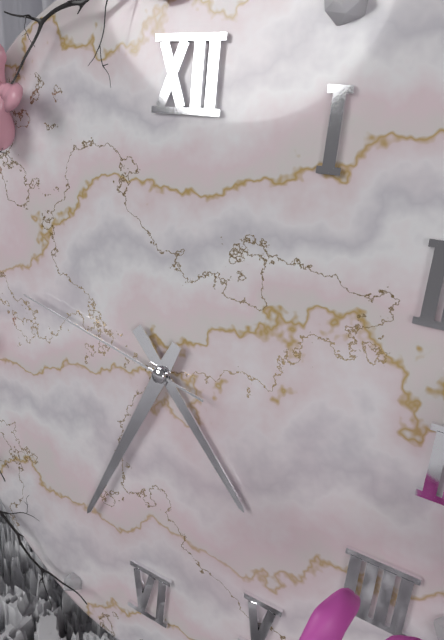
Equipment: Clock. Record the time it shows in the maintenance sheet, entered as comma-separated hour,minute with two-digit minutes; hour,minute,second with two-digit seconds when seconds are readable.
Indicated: 4,34,47
